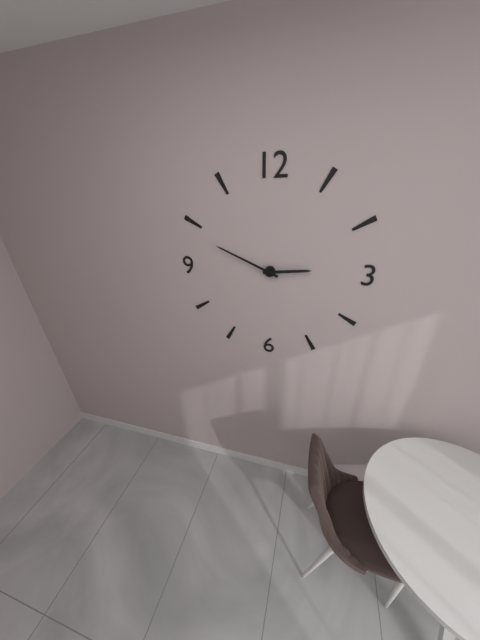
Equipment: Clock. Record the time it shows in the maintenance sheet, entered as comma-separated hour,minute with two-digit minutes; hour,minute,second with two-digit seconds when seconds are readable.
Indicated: 2,49
